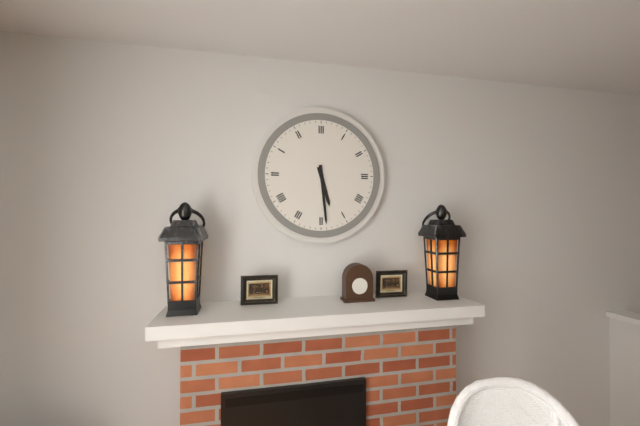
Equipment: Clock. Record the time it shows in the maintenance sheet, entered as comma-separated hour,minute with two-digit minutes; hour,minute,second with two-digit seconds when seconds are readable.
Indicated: 5,29
